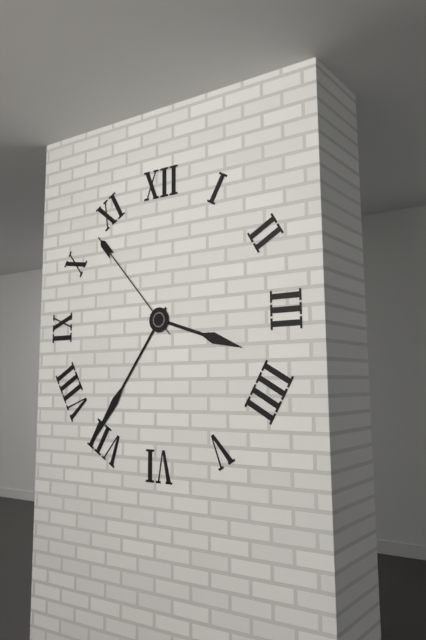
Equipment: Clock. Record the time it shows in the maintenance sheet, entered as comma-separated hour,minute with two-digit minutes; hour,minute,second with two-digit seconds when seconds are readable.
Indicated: 3,36,53
